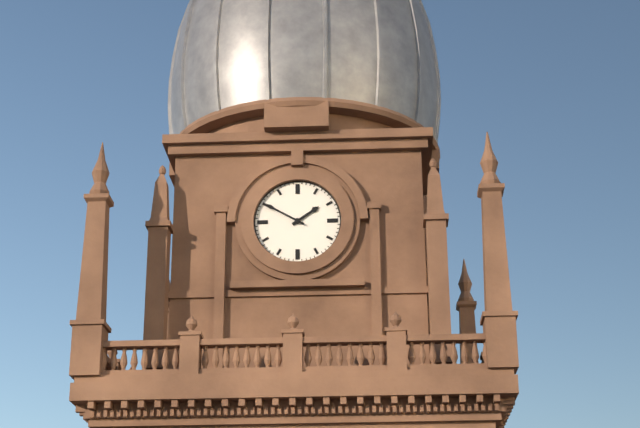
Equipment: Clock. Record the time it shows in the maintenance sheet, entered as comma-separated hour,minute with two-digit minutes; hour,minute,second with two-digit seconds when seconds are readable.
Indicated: 1,50
